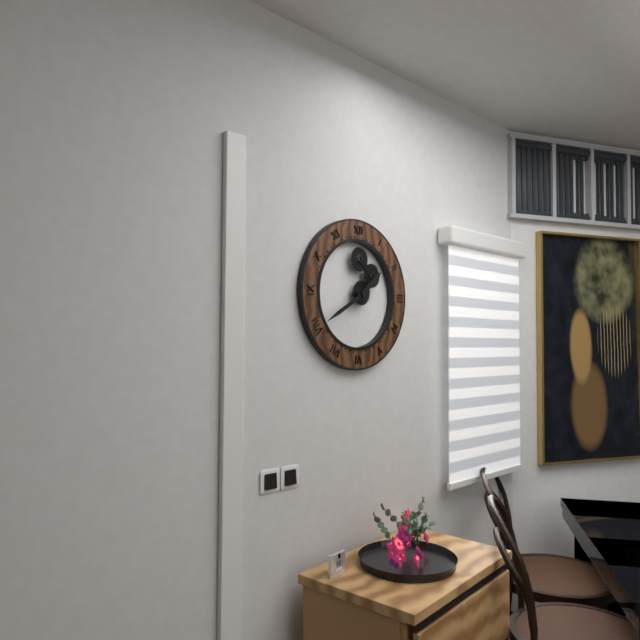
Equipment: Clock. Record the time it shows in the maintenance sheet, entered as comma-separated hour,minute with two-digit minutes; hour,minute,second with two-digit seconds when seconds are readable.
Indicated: 1,40
